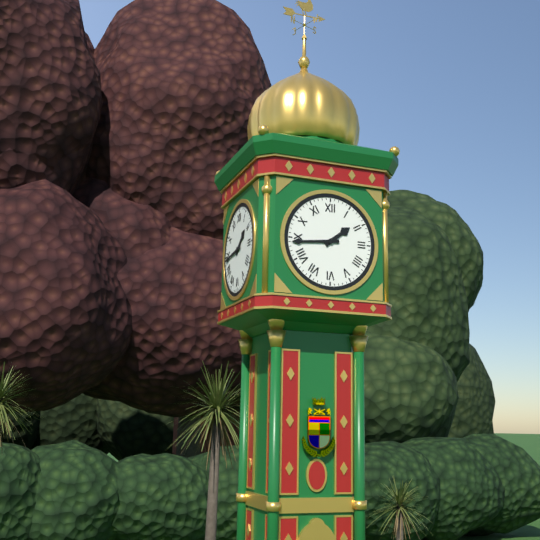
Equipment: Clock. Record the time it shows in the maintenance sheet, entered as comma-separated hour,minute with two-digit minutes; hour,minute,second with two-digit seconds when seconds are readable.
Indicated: 1,44
